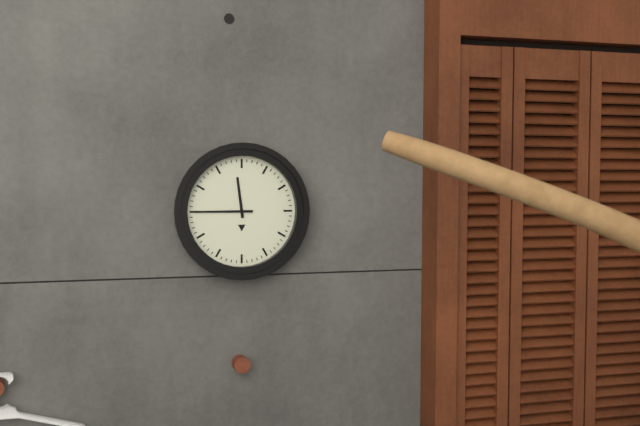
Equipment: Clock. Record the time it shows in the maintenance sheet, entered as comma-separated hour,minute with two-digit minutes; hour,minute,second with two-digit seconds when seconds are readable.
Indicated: 11,45
